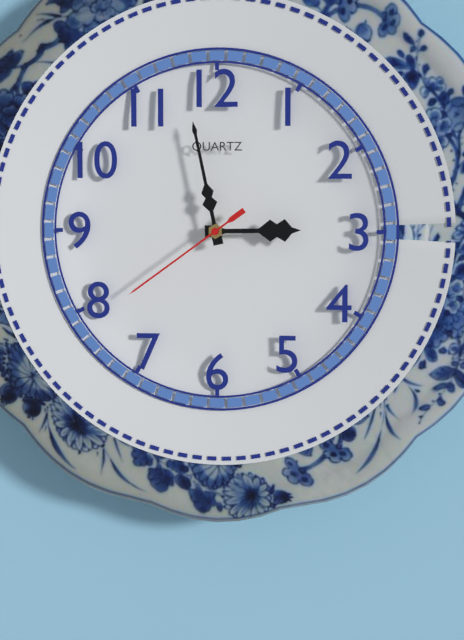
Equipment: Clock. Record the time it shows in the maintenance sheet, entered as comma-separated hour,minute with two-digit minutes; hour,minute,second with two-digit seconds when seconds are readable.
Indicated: 2,58,39
